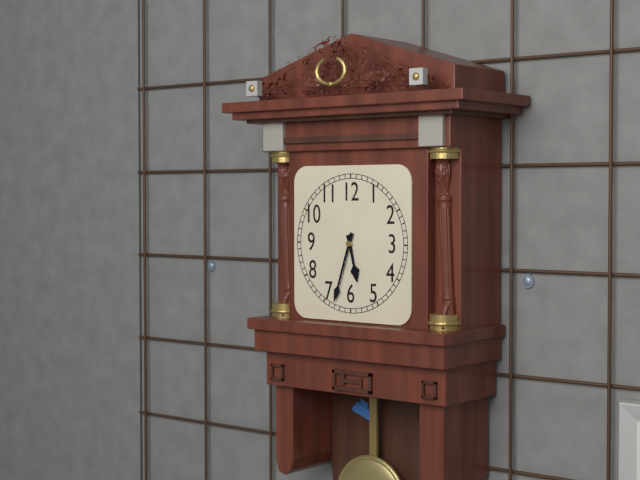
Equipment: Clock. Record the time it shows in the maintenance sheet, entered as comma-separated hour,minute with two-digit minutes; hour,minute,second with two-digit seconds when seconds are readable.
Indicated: 5,33
